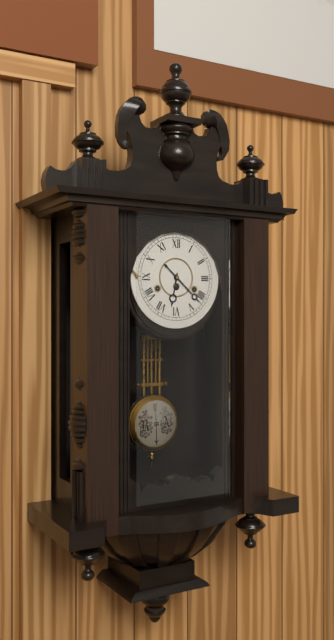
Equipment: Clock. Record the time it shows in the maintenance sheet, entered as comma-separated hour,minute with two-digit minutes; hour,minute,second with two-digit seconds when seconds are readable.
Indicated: 6,22
